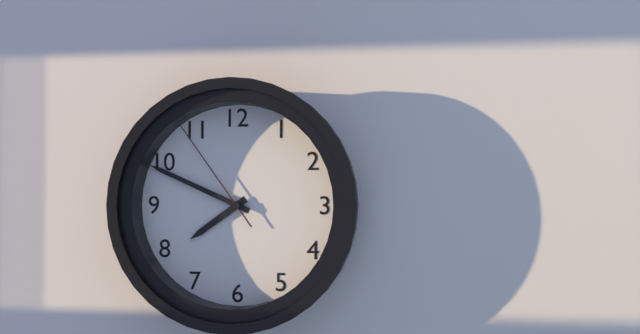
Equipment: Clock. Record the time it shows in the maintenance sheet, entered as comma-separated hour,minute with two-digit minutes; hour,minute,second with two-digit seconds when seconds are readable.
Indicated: 7,49,54
